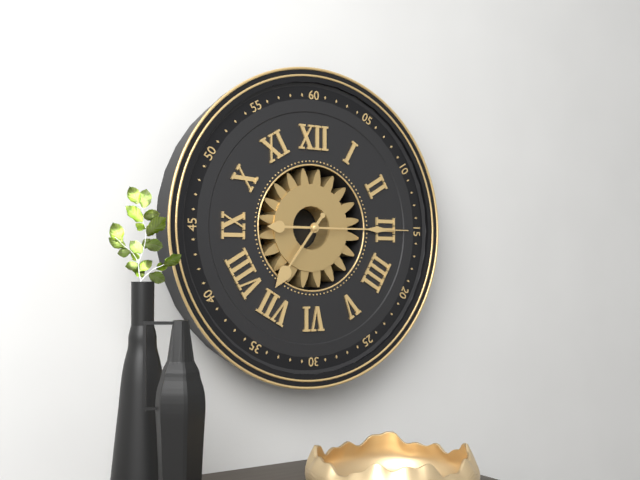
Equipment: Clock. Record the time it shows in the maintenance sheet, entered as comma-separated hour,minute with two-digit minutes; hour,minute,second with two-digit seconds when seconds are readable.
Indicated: 7,15
